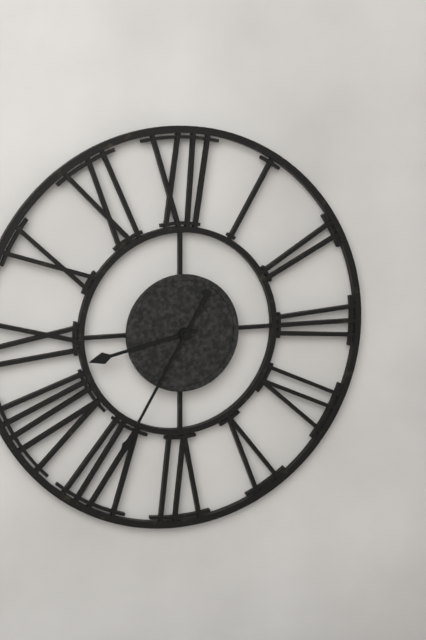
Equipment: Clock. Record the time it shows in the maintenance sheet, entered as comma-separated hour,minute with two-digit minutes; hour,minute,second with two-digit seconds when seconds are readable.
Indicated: 8,35
